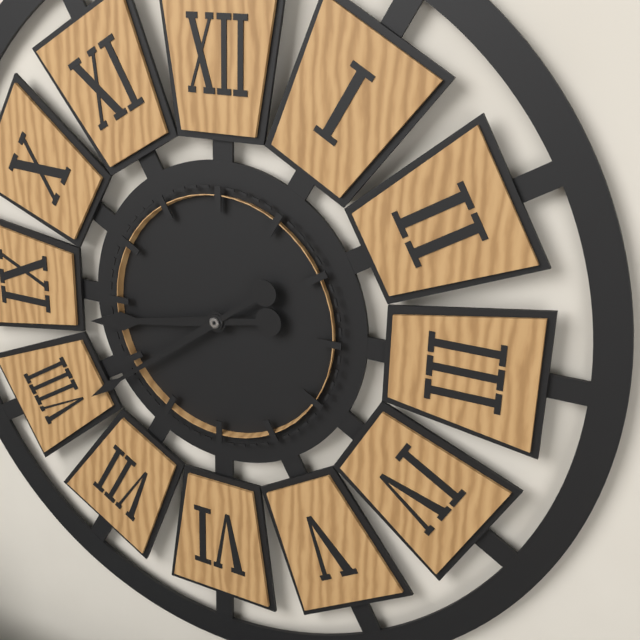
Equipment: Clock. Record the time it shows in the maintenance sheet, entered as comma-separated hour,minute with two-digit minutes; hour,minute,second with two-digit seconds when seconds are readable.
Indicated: 8,39
